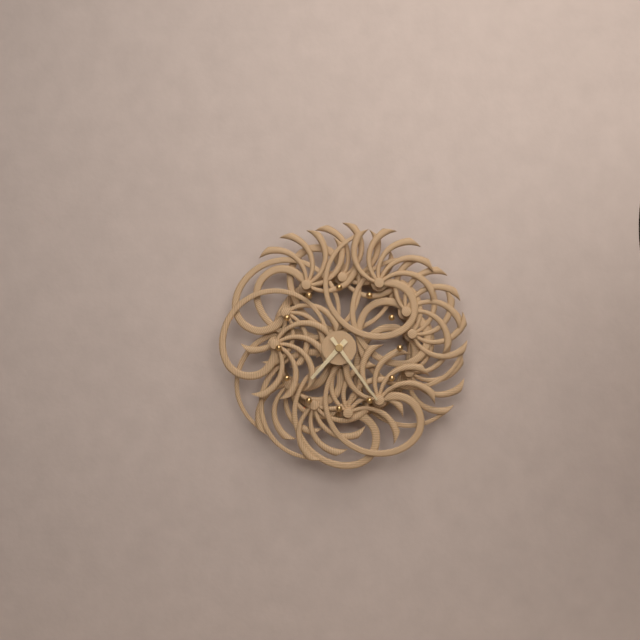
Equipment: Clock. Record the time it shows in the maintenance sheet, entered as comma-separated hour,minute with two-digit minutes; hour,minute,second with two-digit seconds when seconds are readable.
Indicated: 7,24
